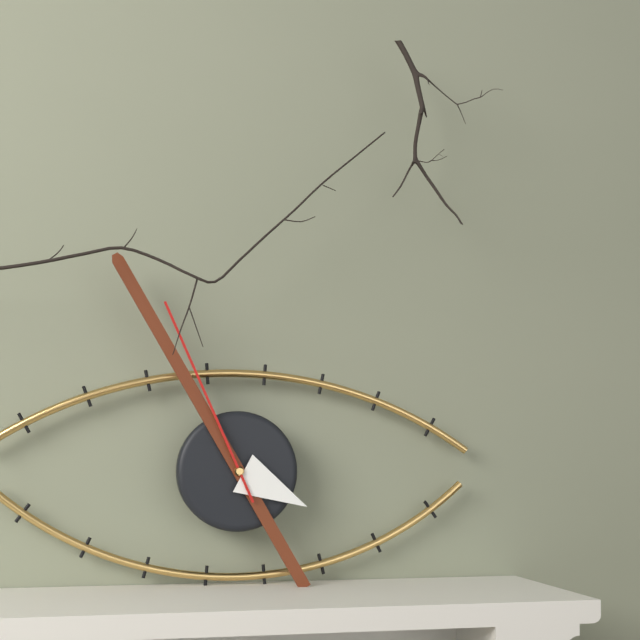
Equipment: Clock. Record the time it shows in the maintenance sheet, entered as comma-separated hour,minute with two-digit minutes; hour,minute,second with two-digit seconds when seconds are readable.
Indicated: 3,55,56
